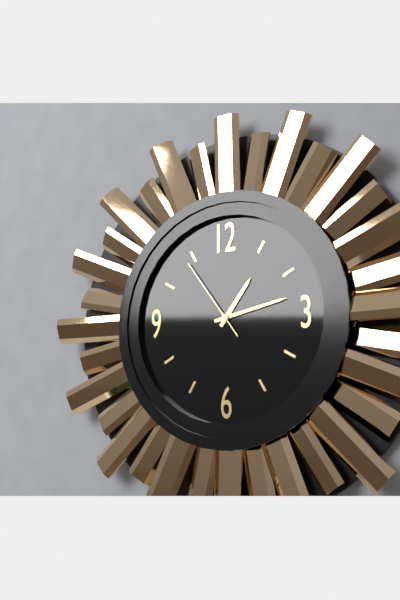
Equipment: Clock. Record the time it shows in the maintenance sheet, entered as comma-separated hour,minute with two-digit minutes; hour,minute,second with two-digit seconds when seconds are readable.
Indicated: 1,13,54
